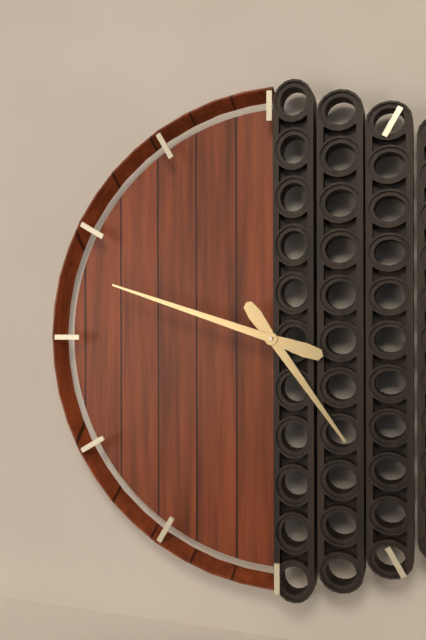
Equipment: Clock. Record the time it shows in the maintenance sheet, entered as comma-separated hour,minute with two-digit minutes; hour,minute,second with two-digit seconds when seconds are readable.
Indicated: 4,48
